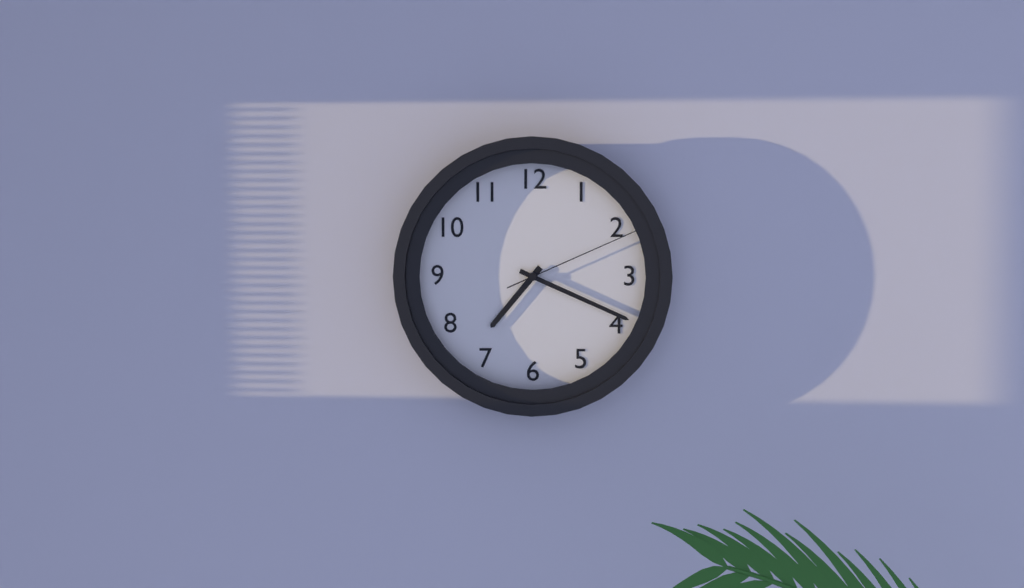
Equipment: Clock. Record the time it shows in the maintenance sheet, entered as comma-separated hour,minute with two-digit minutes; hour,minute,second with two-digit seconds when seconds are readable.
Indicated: 7,19,11
